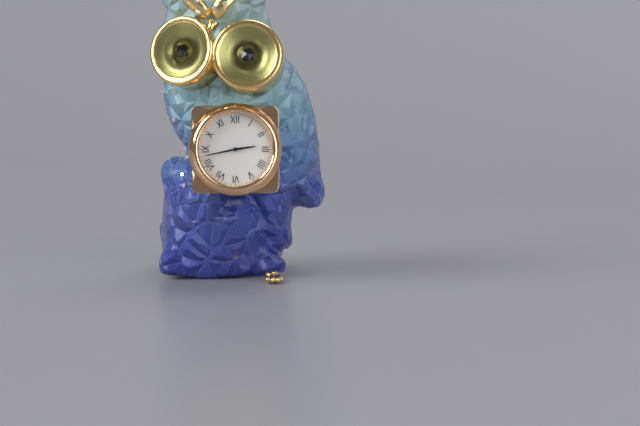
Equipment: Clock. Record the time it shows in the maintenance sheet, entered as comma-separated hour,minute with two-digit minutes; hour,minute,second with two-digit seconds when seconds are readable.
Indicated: 2,43
